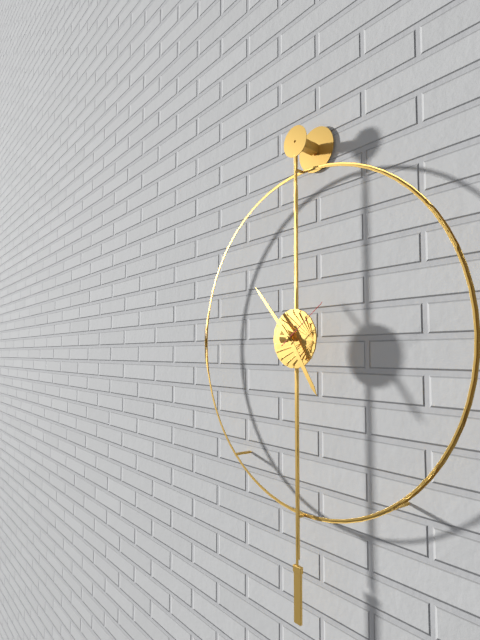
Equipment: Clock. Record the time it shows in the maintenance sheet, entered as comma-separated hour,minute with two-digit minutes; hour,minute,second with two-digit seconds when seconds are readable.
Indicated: 4,53,09
